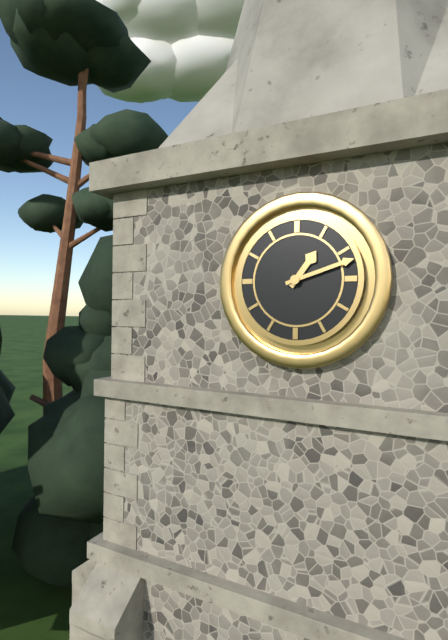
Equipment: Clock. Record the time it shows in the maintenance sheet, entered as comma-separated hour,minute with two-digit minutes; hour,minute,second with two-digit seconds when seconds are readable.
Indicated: 1,12
